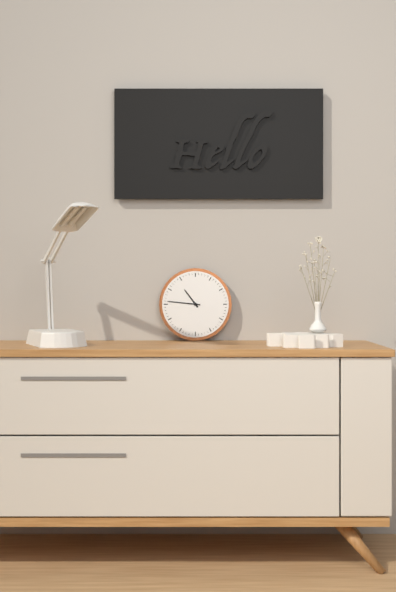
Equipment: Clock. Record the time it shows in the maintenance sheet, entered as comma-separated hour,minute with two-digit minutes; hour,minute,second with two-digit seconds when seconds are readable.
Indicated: 10,46
